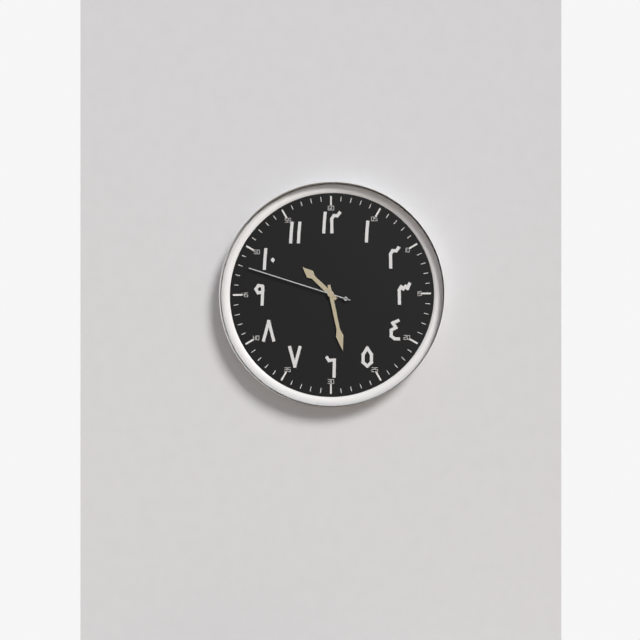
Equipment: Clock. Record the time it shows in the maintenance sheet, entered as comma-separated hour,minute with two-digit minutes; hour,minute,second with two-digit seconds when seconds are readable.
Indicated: 10,28,48
